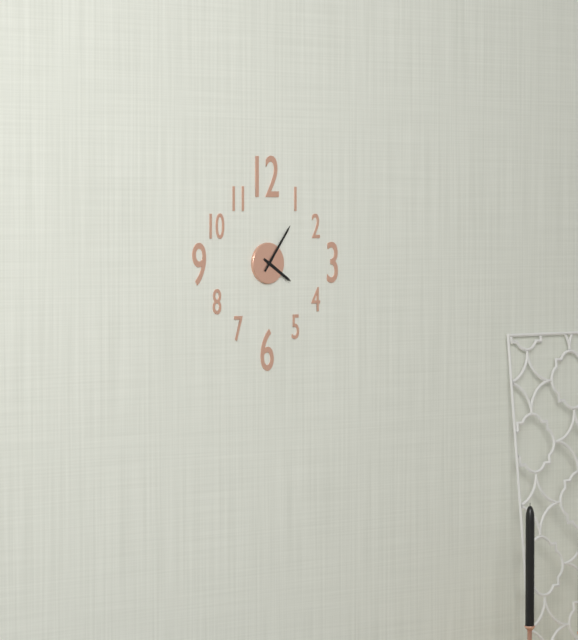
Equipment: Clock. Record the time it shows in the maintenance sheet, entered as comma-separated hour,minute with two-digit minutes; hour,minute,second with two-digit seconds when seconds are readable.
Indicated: 4,06
